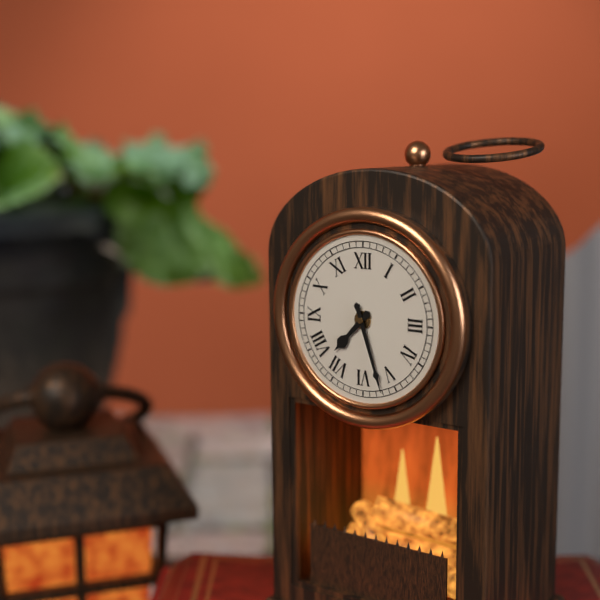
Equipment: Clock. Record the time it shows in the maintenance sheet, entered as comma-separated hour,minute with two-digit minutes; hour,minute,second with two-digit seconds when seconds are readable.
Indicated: 7,27
